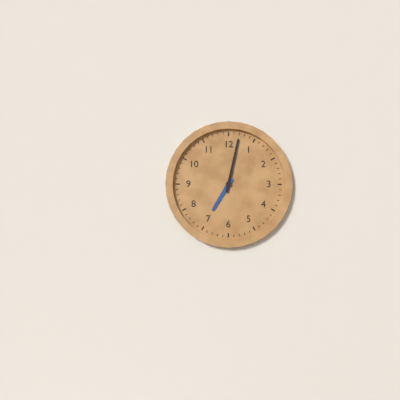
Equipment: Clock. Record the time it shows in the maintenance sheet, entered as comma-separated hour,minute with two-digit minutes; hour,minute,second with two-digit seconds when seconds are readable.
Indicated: 7,02
